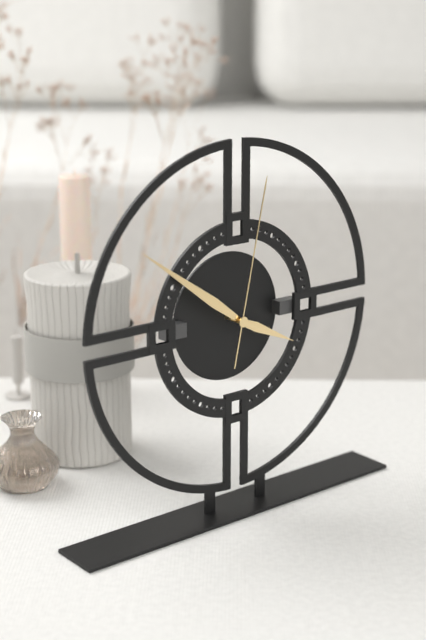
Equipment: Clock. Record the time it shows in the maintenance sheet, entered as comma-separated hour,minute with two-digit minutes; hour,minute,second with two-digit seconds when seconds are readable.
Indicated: 3,51,02
